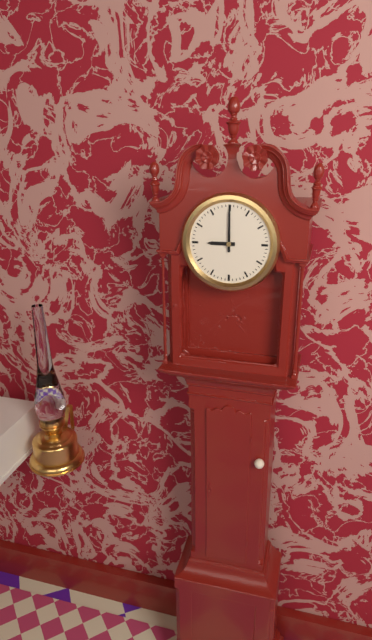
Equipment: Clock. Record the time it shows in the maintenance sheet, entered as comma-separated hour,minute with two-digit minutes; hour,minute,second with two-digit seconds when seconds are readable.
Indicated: 9,00
